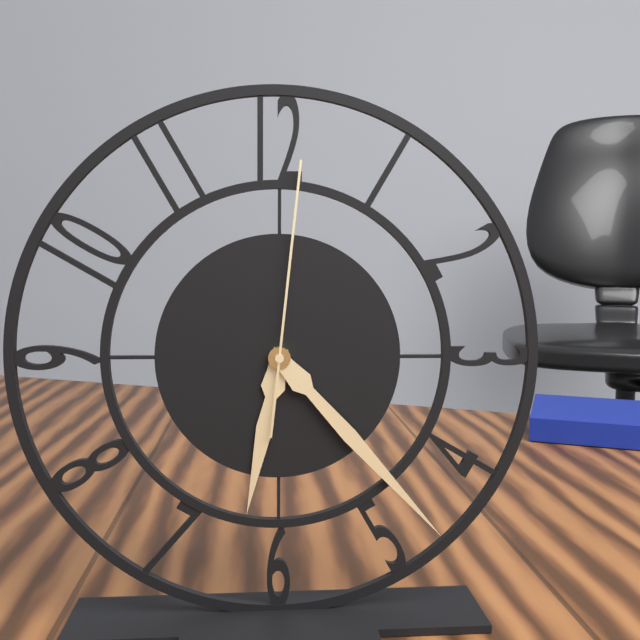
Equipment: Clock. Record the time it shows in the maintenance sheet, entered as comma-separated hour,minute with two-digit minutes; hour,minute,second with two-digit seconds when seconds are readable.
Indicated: 6,23,01
